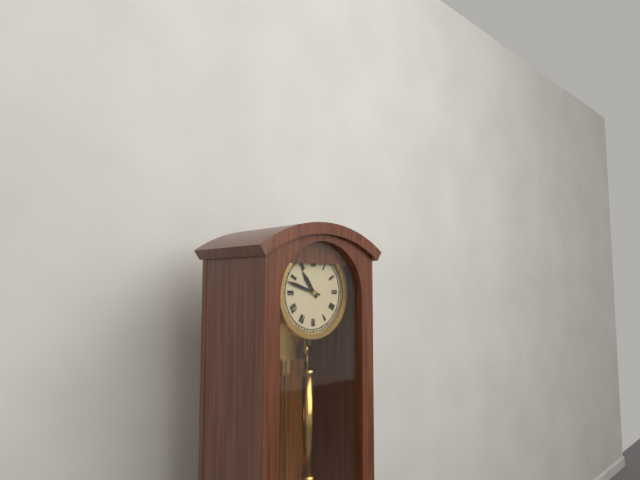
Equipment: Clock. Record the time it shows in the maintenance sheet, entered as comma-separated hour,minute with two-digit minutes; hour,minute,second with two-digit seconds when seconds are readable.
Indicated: 10,48
